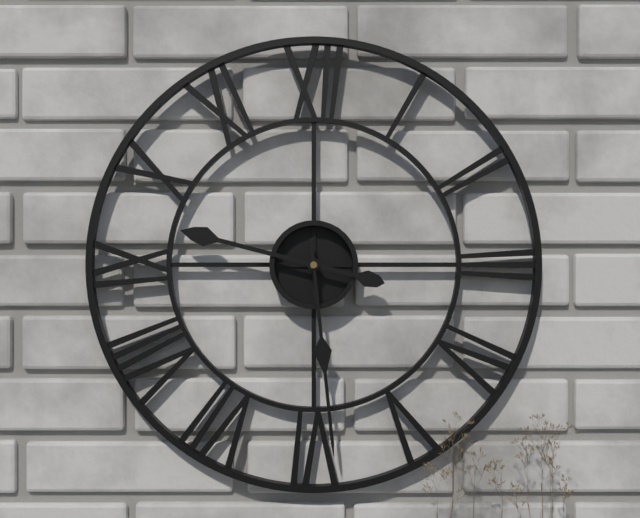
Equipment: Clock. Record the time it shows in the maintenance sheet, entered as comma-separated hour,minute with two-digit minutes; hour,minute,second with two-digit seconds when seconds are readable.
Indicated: 9,29
